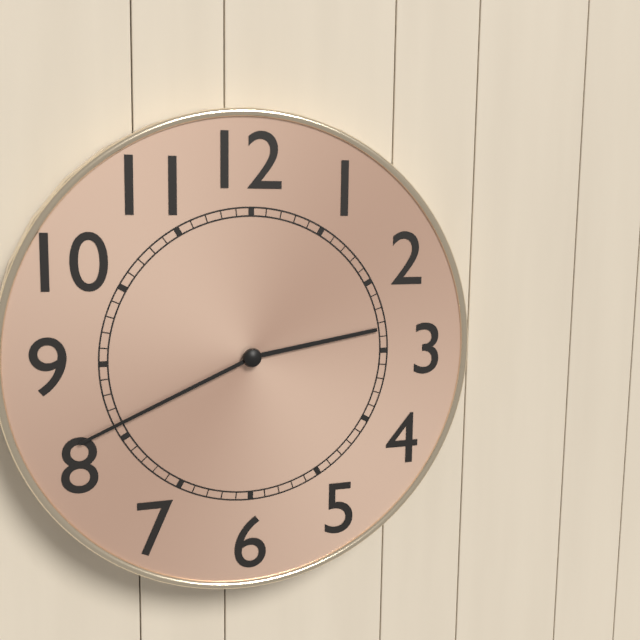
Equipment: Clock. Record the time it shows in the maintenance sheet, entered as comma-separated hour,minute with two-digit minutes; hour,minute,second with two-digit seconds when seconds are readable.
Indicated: 2,41
